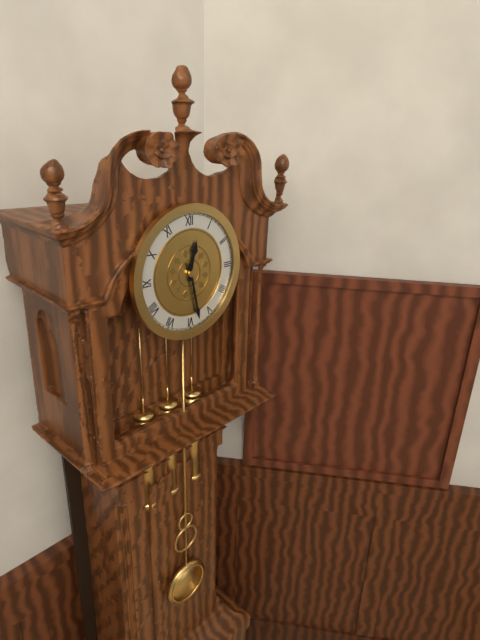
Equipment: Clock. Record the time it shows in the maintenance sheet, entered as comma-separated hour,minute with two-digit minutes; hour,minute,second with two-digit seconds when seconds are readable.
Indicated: 12,28
